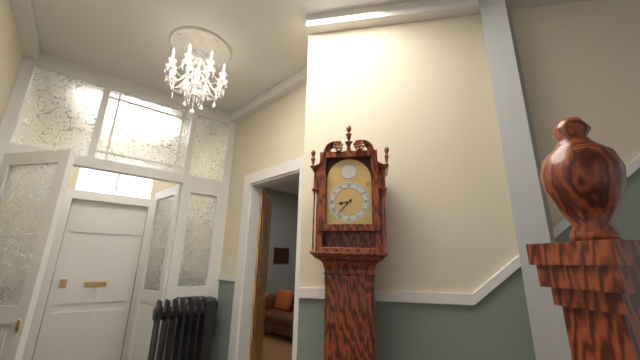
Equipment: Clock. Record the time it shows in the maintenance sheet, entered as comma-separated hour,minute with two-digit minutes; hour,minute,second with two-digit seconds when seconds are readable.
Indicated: 8,37
